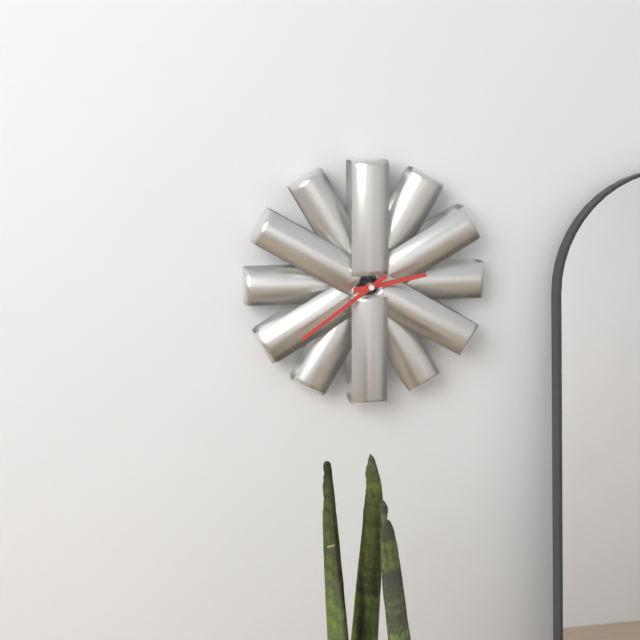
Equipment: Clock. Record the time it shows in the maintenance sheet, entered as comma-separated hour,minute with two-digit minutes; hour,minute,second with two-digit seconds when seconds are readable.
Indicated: 2,39
